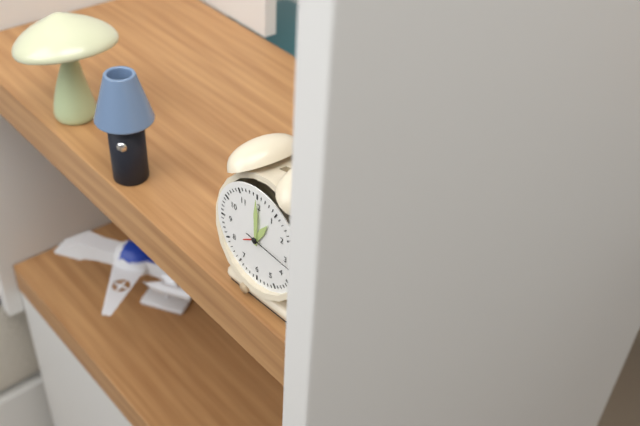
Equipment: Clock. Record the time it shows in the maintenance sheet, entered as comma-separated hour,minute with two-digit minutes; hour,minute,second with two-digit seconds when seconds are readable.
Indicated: 1,00,16
